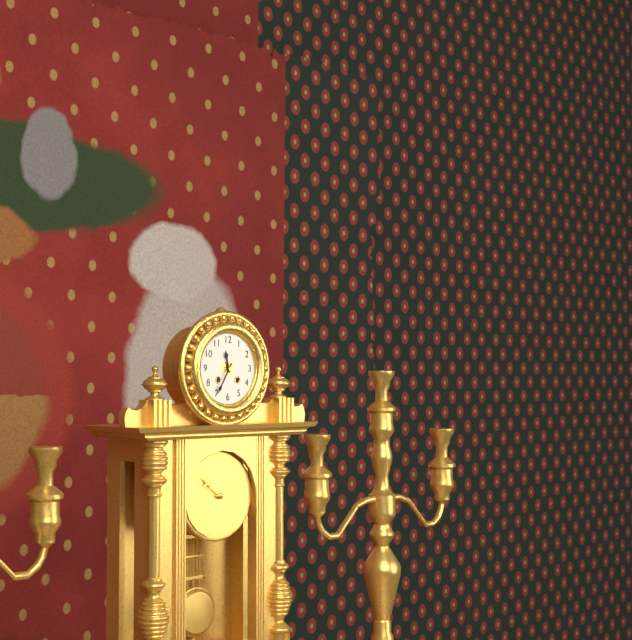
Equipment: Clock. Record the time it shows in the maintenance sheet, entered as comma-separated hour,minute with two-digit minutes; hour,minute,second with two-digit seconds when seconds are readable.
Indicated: 11,35
